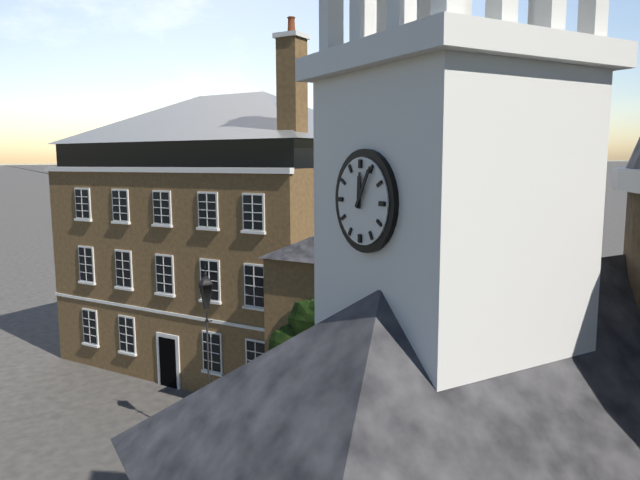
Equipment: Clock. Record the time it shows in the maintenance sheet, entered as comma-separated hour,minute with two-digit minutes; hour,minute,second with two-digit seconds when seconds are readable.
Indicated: 12,05
